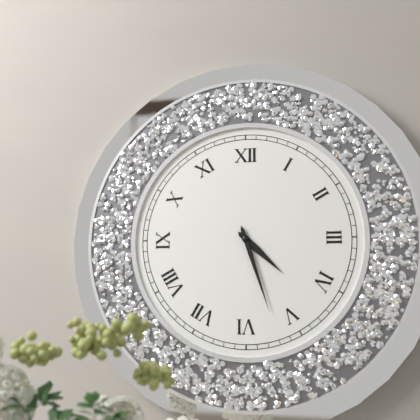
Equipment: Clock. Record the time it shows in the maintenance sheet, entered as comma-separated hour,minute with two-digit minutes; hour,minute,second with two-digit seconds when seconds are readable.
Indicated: 4,27
